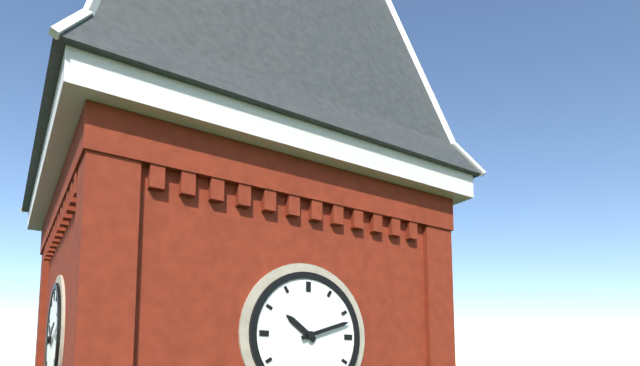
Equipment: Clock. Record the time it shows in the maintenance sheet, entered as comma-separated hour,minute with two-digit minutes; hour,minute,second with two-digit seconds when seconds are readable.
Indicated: 10,12
